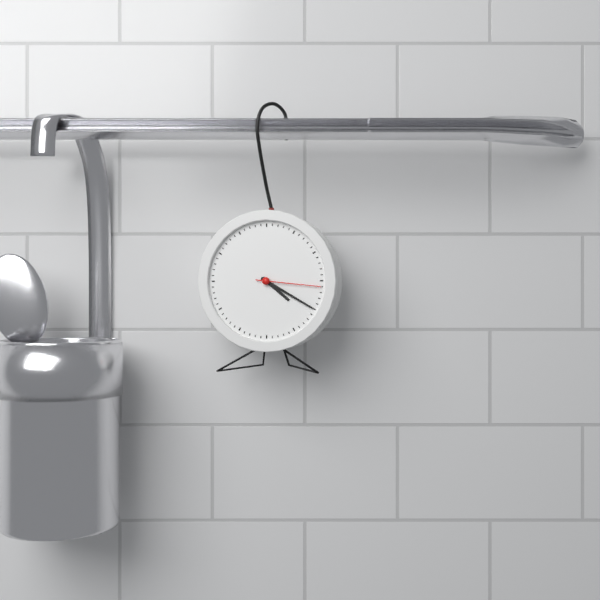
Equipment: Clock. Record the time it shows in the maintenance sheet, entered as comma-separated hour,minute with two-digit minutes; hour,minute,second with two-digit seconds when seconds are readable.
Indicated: 4,20,16
